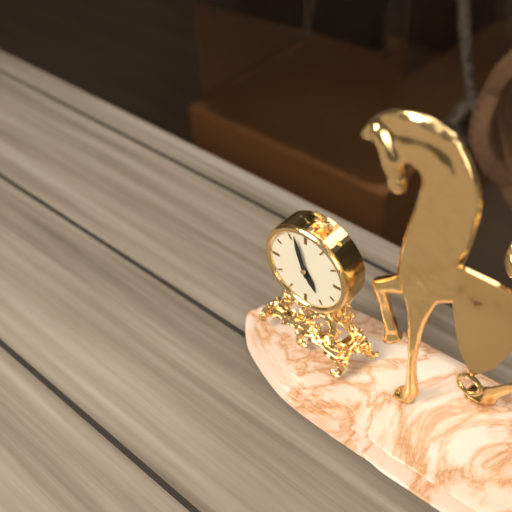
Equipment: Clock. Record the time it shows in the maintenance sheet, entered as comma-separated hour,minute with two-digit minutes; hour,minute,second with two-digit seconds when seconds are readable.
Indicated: 4,57
